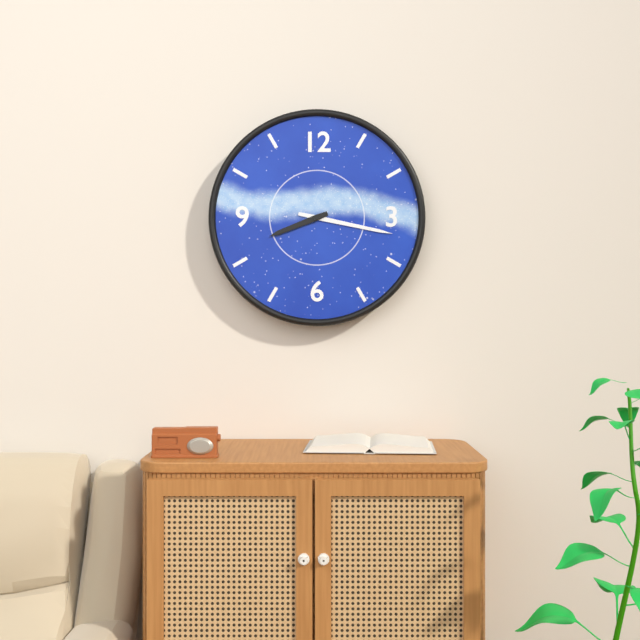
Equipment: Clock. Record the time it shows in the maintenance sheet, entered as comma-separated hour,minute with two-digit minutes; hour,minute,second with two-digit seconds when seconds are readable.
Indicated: 8,17
